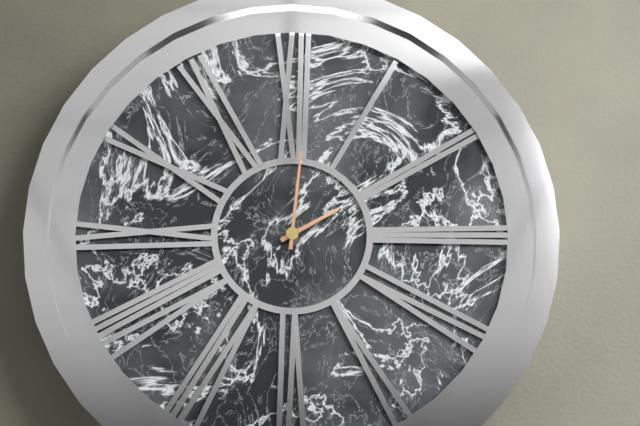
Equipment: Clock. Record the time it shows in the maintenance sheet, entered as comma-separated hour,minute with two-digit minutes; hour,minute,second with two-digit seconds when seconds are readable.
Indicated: 2,01
